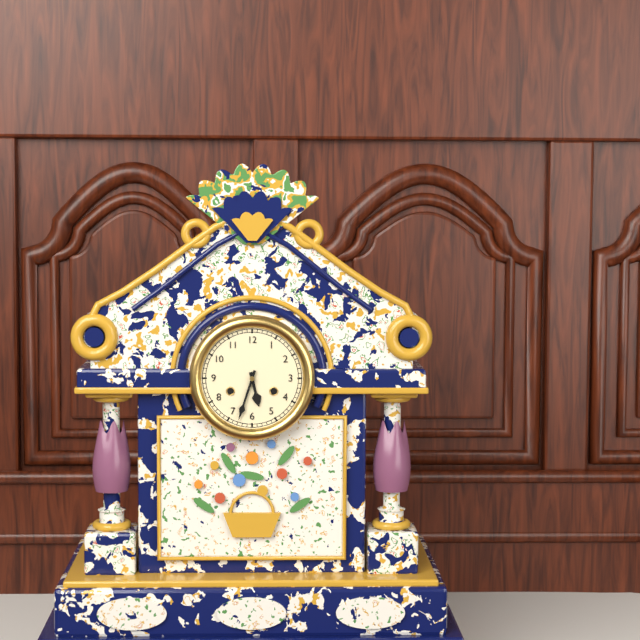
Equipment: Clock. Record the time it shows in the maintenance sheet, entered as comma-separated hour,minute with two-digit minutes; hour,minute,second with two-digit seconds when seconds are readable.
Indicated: 5,33
